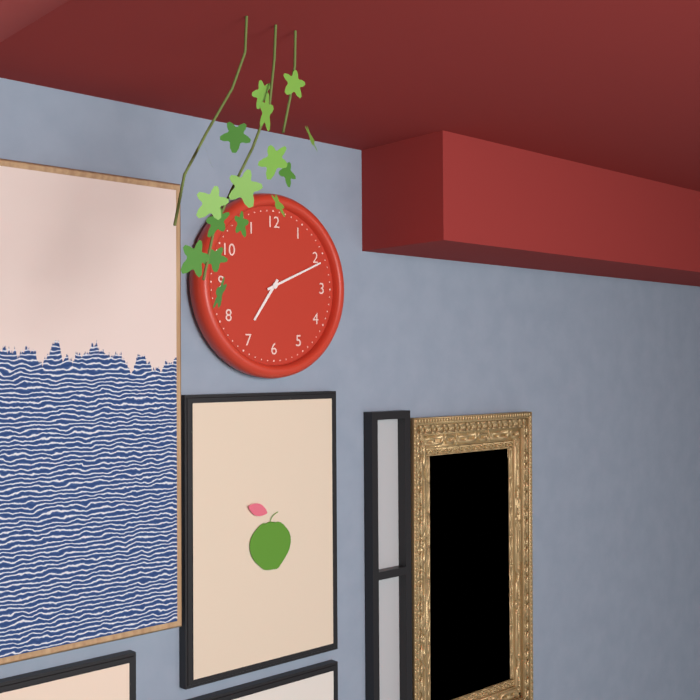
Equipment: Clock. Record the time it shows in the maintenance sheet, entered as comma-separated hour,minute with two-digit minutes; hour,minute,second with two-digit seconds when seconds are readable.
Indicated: 7,11
